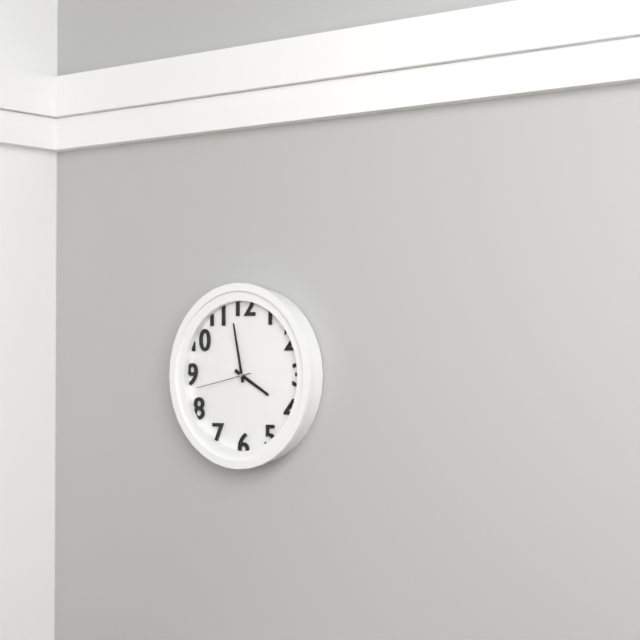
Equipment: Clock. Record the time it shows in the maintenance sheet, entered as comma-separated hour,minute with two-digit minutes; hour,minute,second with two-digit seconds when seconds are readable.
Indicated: 3,58,43
